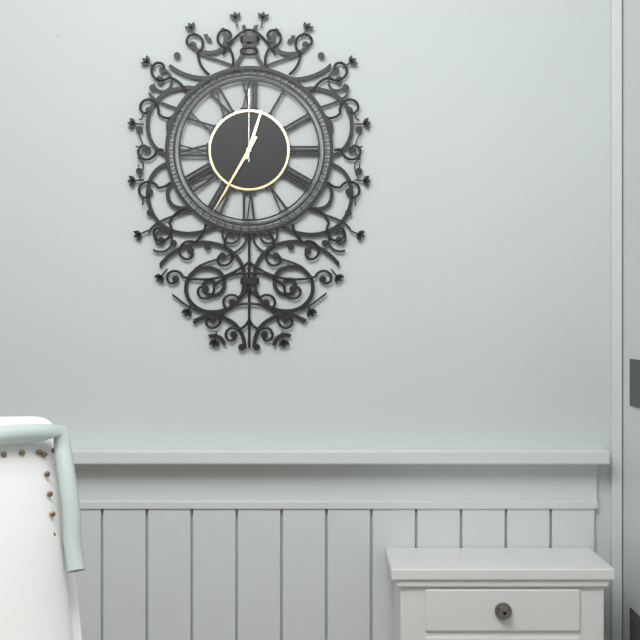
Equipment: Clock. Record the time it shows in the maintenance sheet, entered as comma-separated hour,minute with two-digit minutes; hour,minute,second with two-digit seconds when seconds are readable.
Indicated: 12,35,00
